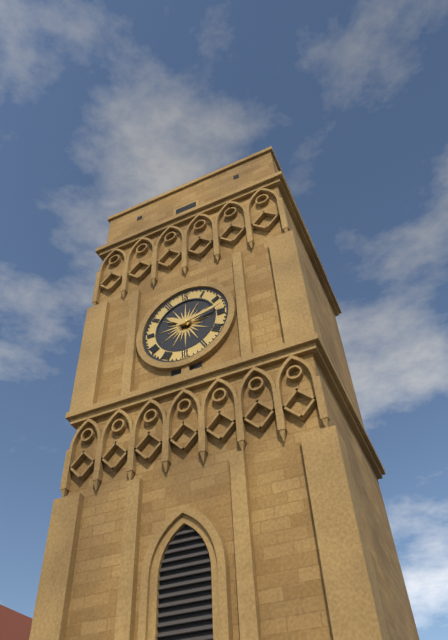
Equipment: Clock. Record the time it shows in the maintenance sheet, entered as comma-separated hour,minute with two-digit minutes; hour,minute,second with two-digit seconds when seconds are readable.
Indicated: 10,13
